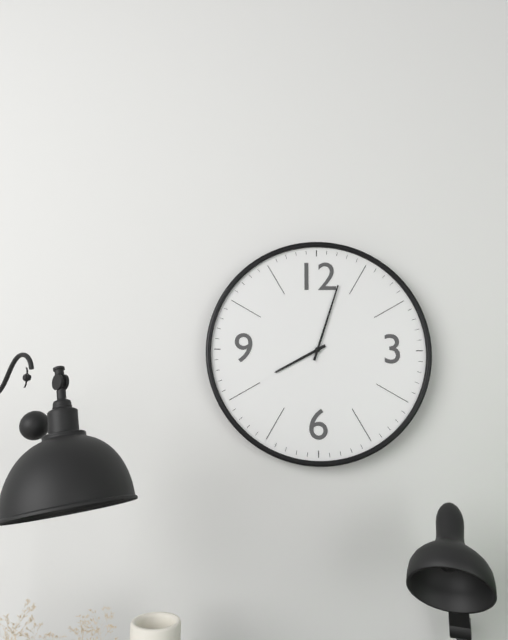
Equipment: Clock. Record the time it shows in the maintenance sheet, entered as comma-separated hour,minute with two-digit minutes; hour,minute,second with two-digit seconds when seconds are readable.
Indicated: 8,03
